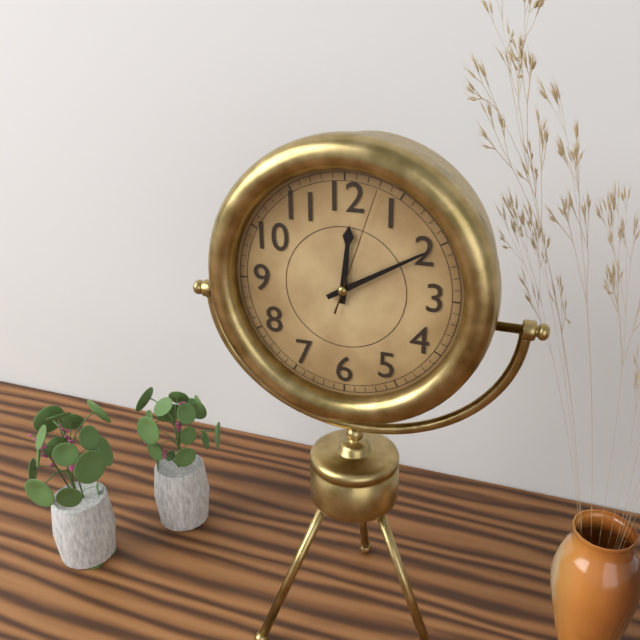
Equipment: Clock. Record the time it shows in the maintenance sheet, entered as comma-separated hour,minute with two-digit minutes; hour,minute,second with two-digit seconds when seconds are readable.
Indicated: 12,10,03
